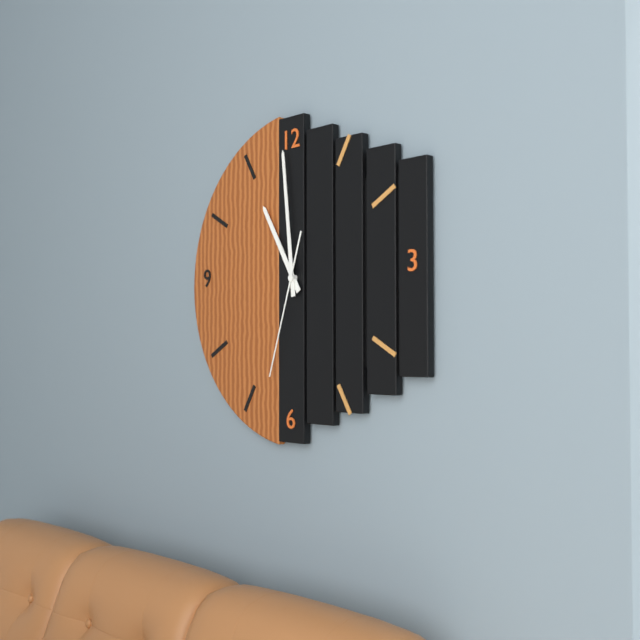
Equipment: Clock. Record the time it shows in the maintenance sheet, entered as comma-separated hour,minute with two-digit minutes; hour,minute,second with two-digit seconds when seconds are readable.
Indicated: 10,59,33
